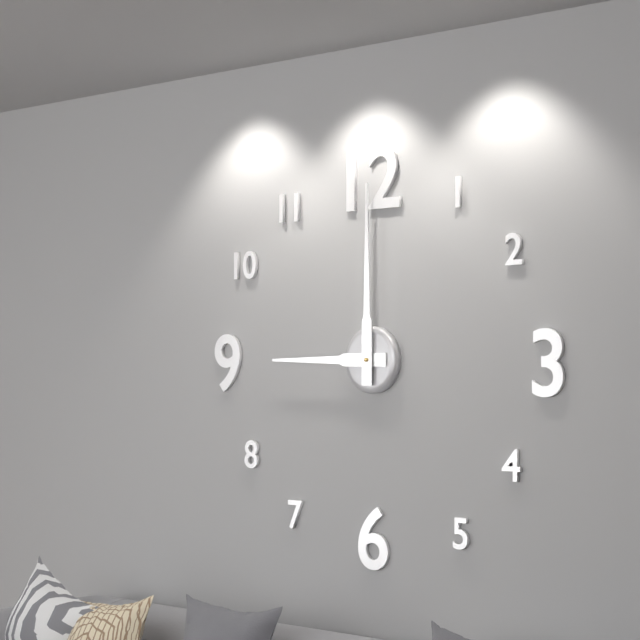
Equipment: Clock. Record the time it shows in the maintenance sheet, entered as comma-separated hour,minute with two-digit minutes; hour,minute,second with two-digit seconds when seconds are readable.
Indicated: 9,00
